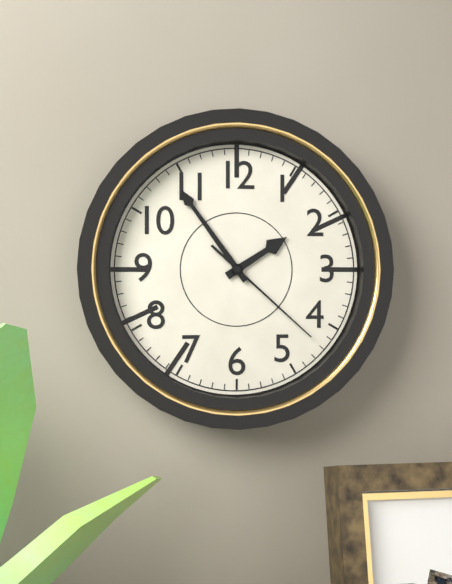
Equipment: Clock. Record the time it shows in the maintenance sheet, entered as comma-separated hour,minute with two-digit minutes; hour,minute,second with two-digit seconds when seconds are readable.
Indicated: 1,54,22
